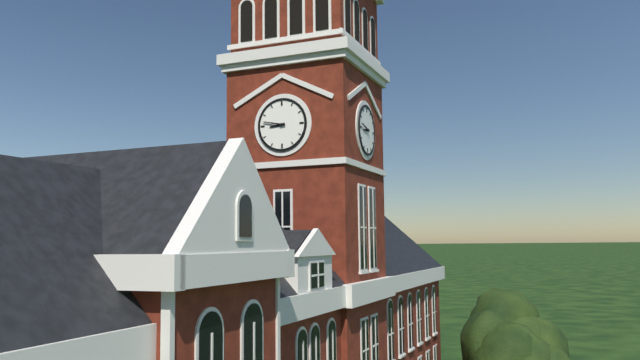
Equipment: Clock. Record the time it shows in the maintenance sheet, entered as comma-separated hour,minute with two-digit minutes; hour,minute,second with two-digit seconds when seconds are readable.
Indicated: 8,47
